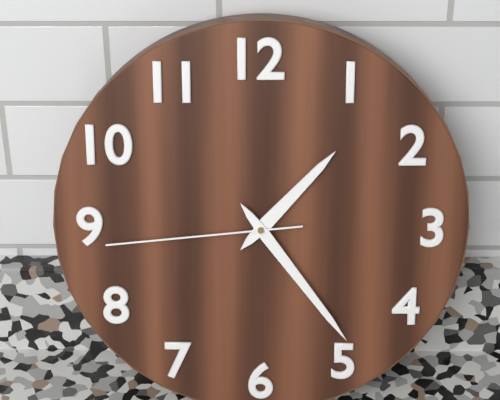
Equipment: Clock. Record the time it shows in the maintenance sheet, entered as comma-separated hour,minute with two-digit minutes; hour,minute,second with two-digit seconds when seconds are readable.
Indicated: 1,24,44
